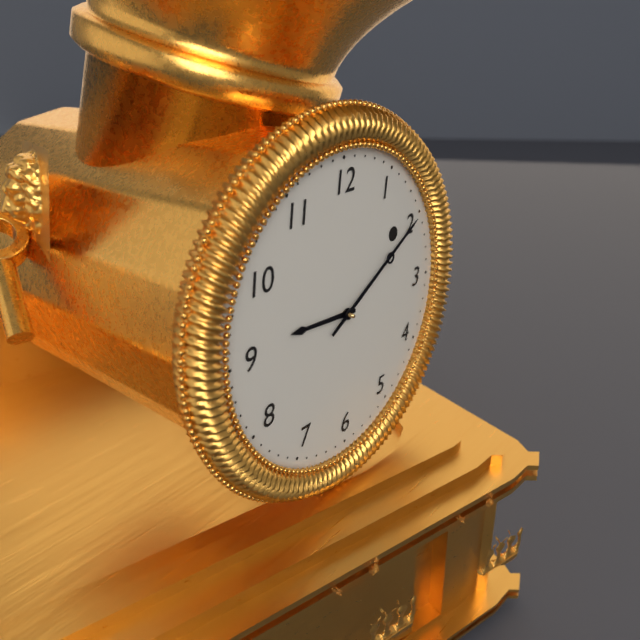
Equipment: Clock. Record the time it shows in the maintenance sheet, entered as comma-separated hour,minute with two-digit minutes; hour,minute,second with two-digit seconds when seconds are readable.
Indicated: 9,10
